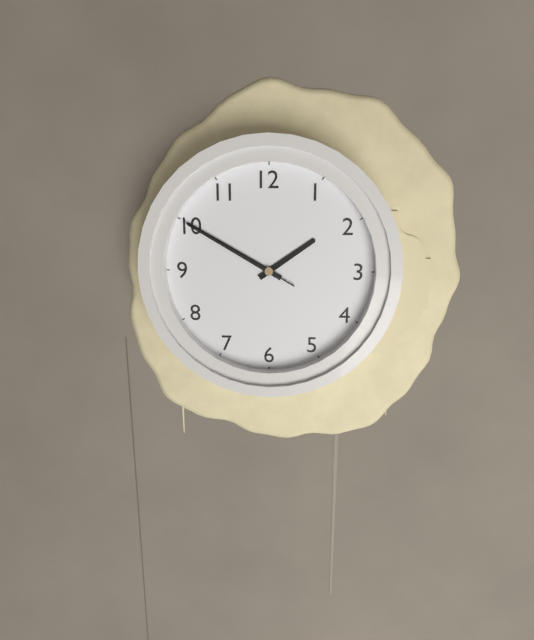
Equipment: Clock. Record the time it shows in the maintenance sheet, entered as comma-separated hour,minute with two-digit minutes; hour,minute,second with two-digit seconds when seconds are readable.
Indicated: 1,50,50
